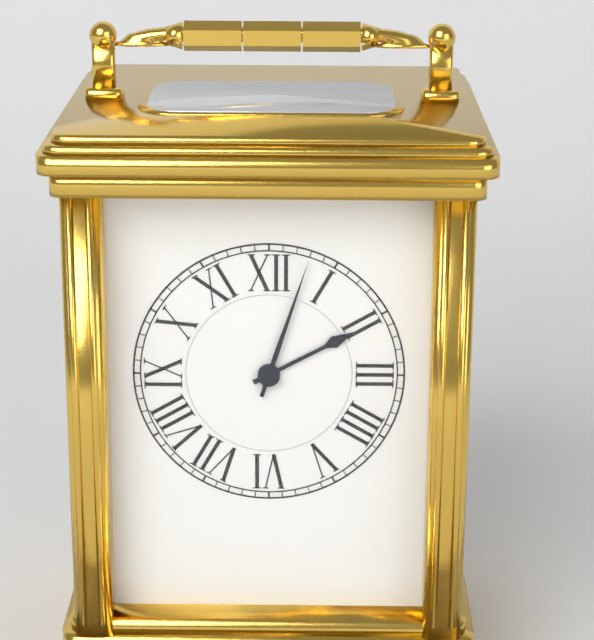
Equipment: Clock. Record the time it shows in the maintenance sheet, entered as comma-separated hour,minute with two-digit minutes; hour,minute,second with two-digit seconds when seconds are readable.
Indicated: 2,03
